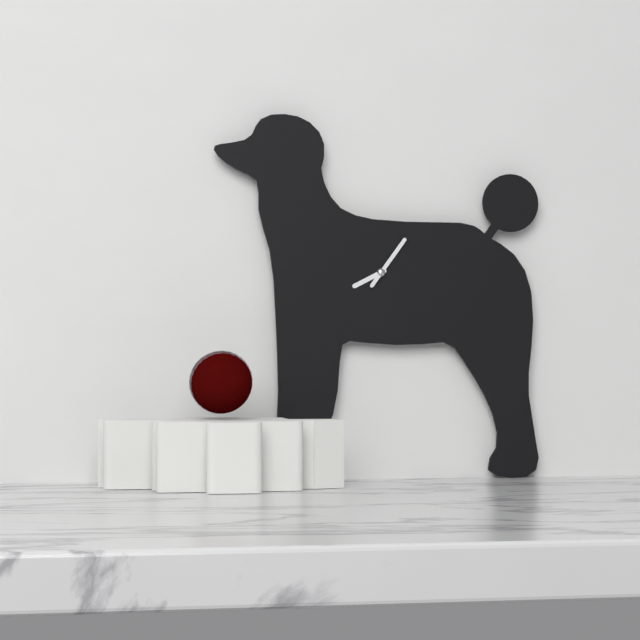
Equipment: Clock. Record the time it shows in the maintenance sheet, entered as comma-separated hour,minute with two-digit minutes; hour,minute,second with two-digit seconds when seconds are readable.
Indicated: 8,06
